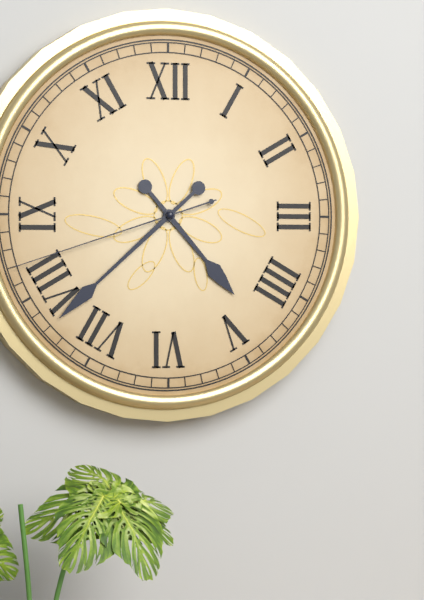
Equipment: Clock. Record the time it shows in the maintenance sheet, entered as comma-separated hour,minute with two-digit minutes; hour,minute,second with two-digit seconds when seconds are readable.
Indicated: 4,38,42
